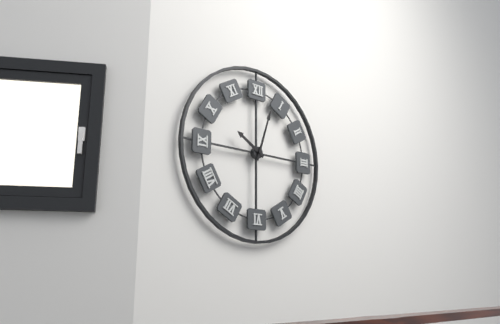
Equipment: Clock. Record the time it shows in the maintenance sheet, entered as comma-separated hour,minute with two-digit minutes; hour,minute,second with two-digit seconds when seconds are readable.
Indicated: 10,03
